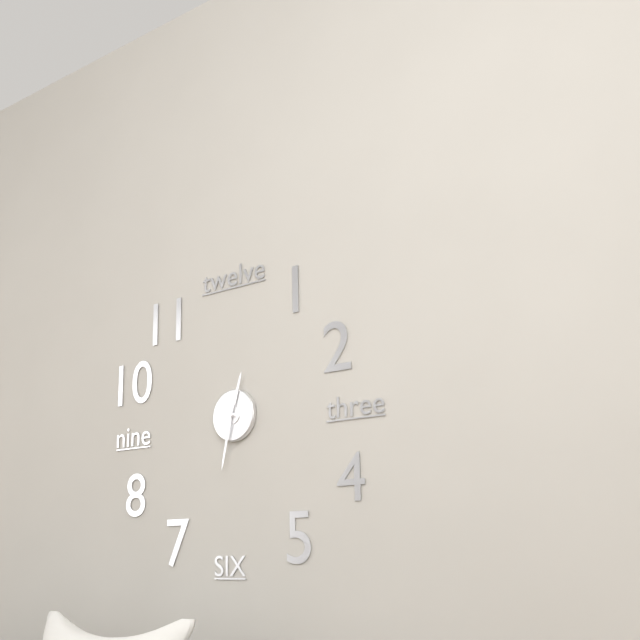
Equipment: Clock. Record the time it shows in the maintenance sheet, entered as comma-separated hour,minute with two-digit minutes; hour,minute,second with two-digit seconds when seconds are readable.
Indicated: 12,32
